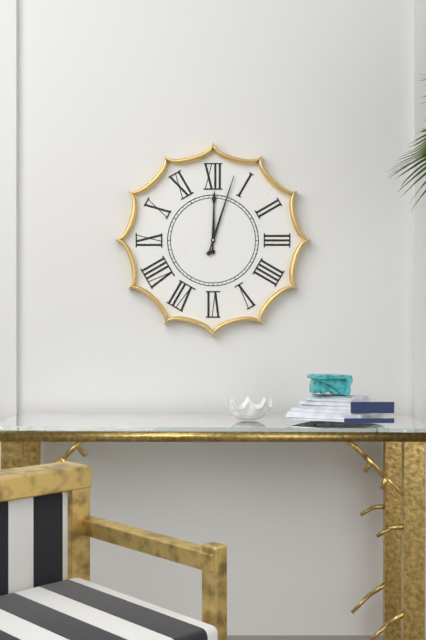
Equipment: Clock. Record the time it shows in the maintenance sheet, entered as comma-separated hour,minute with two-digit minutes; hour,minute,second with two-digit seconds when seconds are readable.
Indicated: 12,03
